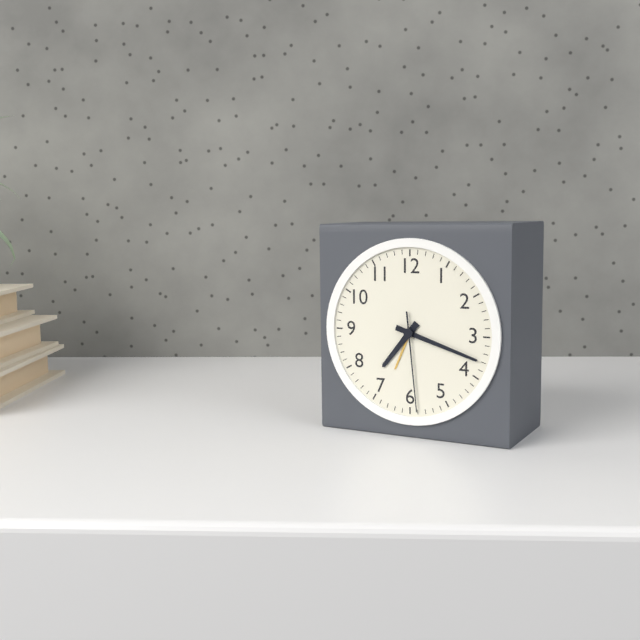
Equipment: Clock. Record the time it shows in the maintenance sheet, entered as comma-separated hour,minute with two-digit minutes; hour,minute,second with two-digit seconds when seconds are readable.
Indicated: 7,18,29
